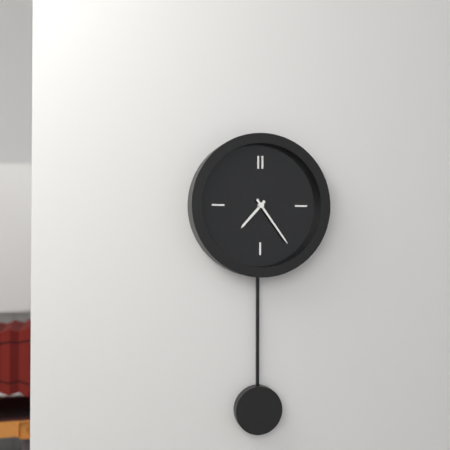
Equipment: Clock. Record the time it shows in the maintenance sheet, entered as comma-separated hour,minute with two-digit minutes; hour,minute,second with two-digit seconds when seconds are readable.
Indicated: 7,24
